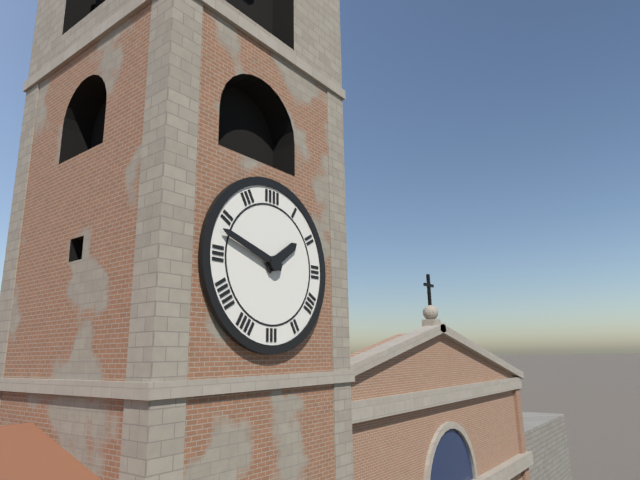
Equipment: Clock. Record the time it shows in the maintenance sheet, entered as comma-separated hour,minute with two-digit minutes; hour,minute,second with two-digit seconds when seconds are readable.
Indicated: 1,48
